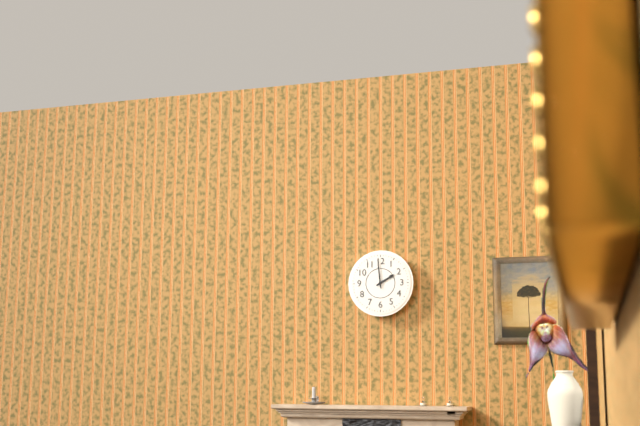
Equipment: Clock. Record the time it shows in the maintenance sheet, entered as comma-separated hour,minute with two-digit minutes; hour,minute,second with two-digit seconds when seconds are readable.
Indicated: 1,59
